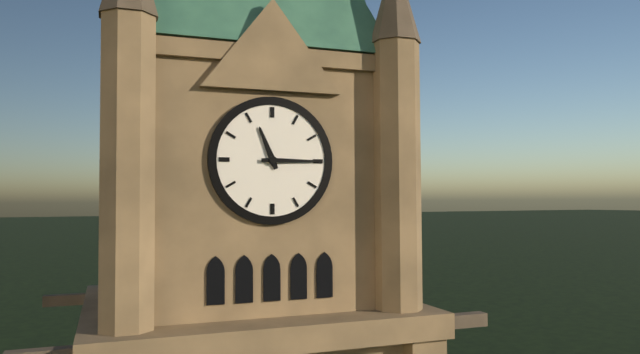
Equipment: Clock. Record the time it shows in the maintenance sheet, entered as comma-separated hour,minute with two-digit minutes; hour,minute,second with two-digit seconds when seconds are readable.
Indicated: 11,15
